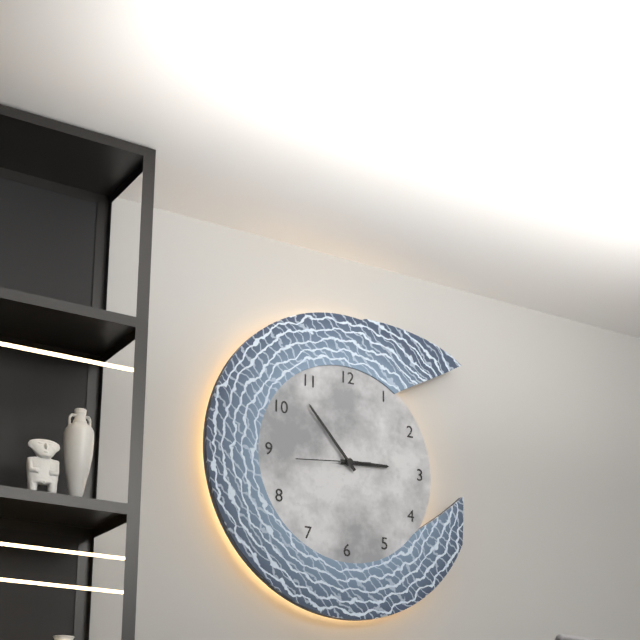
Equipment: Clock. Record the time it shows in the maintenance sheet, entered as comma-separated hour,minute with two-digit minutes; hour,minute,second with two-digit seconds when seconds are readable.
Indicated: 2,53,44
